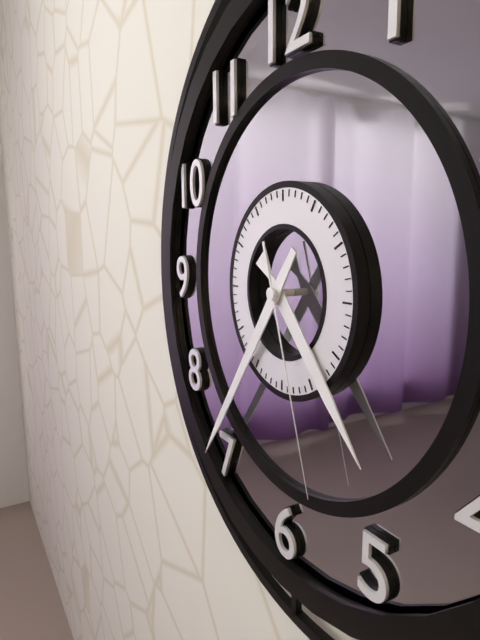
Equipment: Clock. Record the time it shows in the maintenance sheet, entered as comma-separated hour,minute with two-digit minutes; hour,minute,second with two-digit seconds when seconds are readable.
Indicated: 4,36,27
